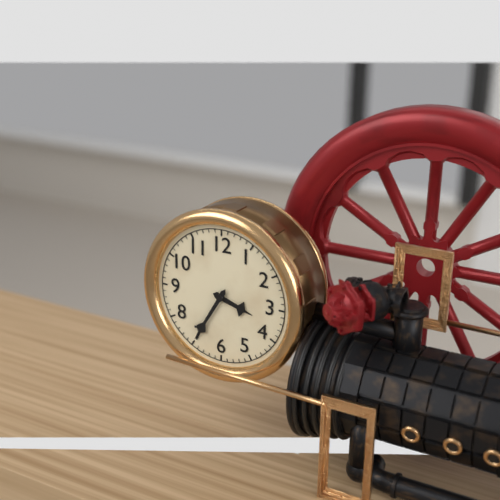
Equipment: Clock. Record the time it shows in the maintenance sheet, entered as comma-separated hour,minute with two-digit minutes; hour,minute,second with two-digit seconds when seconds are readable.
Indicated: 3,35
